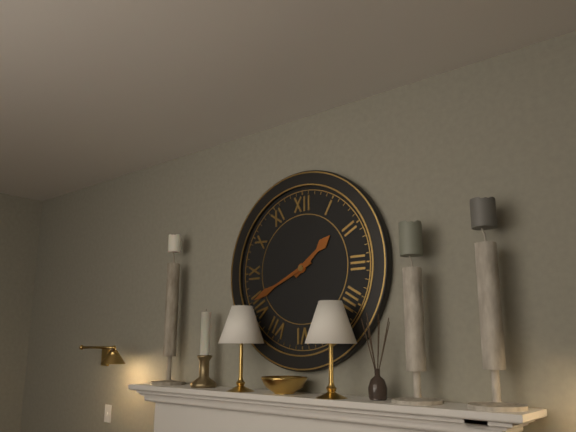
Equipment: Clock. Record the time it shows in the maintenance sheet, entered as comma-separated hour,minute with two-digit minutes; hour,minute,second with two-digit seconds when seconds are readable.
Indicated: 1,41
